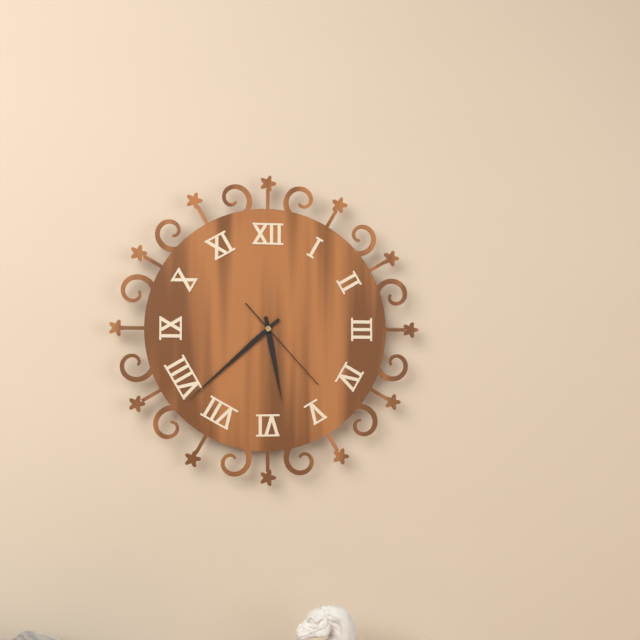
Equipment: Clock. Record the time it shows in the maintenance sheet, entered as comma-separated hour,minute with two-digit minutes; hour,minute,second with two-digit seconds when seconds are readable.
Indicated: 5,38,23
